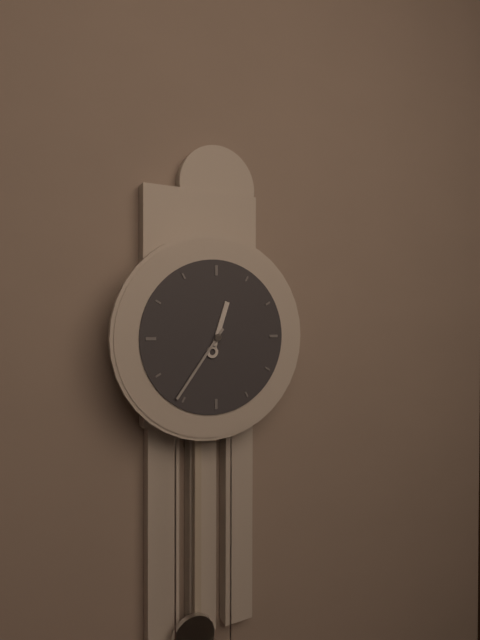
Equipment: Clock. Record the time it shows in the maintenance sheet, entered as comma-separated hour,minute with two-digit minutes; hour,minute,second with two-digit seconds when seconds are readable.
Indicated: 12,36
